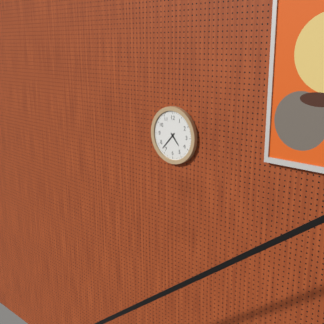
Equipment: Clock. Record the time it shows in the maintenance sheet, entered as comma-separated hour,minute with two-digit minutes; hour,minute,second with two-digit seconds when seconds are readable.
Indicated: 4,37
